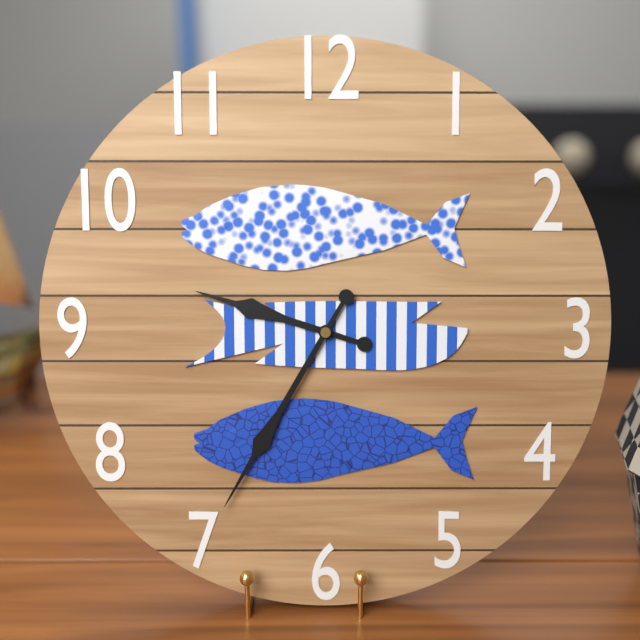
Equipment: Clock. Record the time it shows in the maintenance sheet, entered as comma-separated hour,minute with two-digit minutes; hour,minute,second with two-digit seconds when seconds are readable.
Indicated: 9,35
